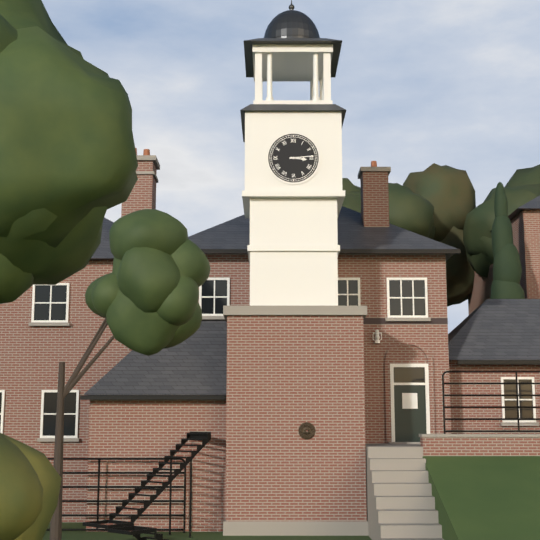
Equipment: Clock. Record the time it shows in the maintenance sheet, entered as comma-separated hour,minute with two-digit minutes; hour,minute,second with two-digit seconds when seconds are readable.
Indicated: 3,14
